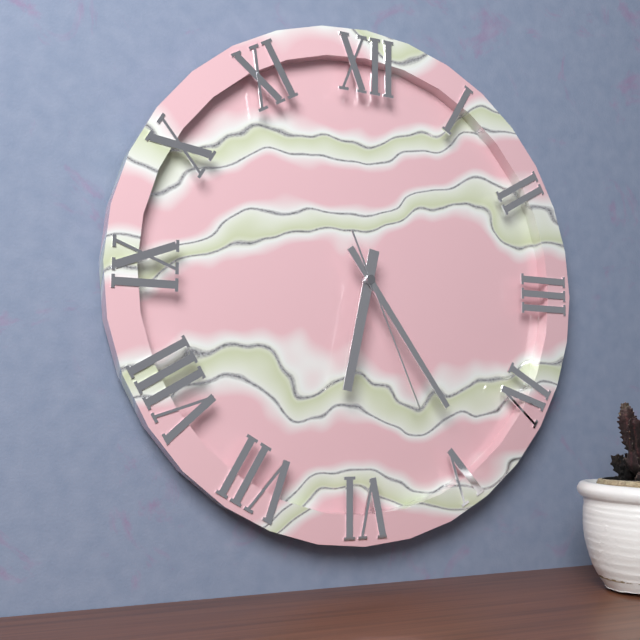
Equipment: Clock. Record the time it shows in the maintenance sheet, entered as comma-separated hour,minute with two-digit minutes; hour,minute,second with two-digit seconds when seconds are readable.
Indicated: 6,24,26
